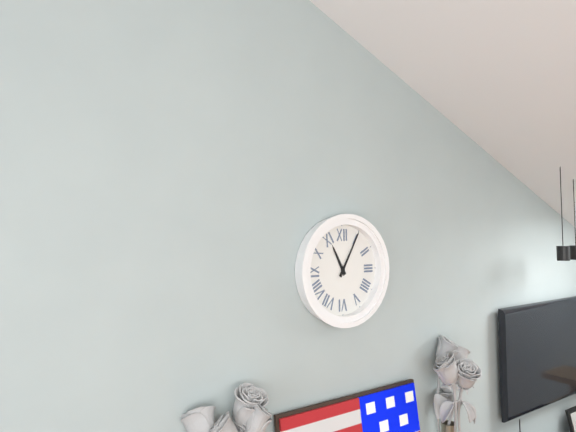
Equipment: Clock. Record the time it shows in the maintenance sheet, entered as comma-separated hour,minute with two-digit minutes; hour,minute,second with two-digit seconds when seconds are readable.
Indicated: 11,05
